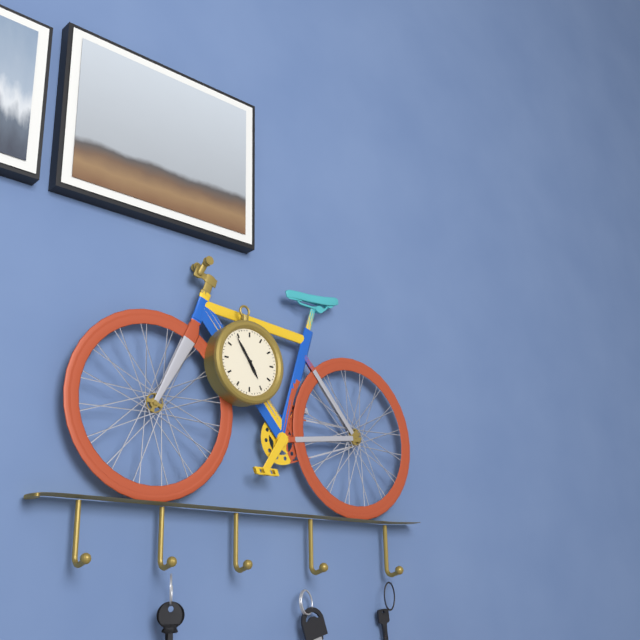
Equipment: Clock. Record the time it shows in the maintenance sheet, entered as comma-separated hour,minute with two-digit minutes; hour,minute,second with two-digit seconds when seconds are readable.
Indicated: 4,54
